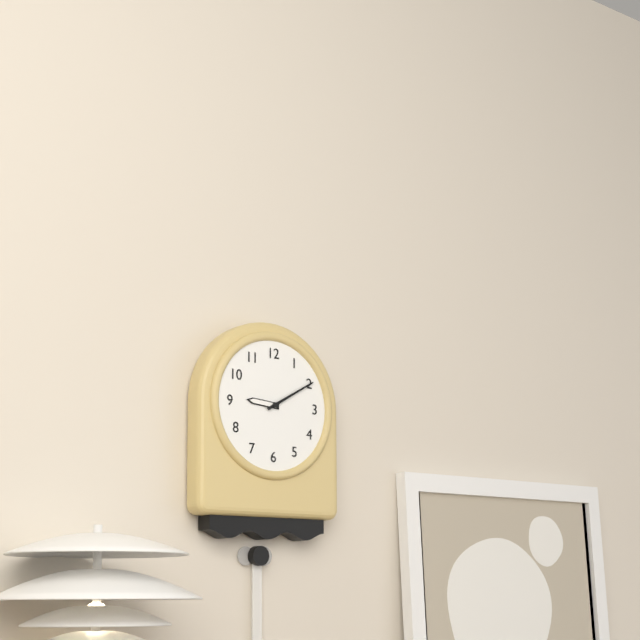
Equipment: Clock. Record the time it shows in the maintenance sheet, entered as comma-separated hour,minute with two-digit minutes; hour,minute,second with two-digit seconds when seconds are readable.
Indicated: 9,10
